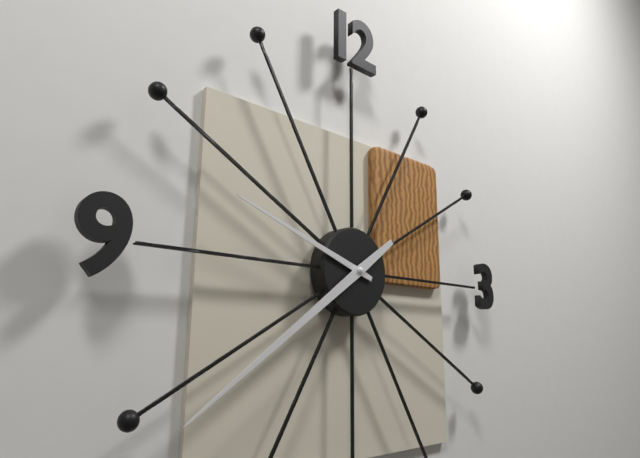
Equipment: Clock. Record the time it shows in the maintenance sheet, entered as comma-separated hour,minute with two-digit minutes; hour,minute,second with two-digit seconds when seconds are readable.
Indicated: 9,39
